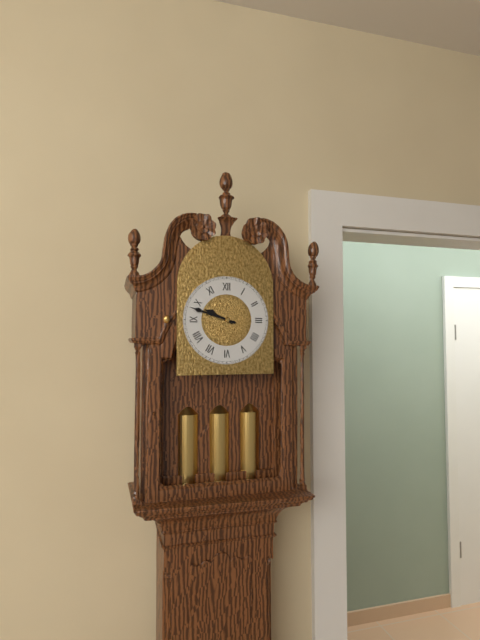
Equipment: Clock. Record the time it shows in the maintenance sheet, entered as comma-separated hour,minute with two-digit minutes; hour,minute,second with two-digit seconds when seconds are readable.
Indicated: 9,48
